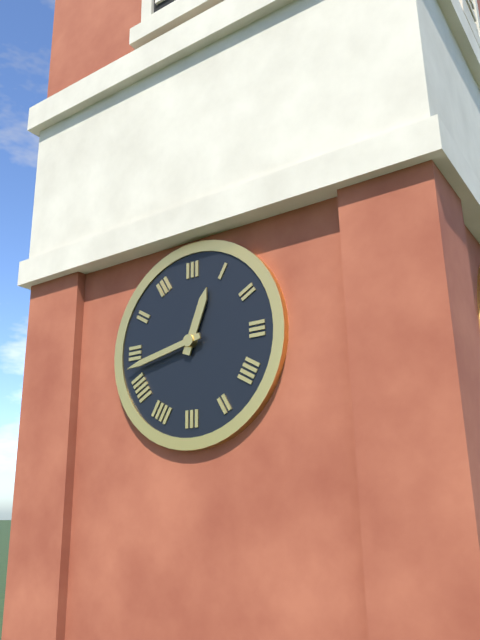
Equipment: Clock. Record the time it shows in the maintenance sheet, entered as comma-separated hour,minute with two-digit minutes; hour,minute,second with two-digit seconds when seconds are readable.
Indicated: 12,43
